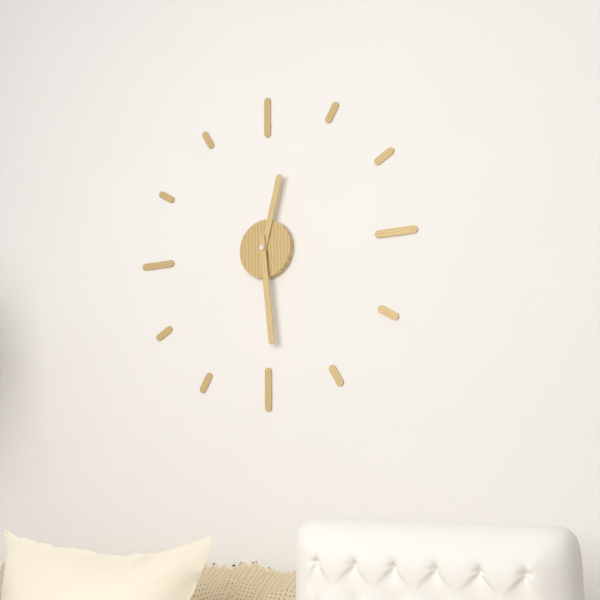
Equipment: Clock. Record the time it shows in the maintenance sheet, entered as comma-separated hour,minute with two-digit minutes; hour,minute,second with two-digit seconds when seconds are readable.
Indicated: 12,29
